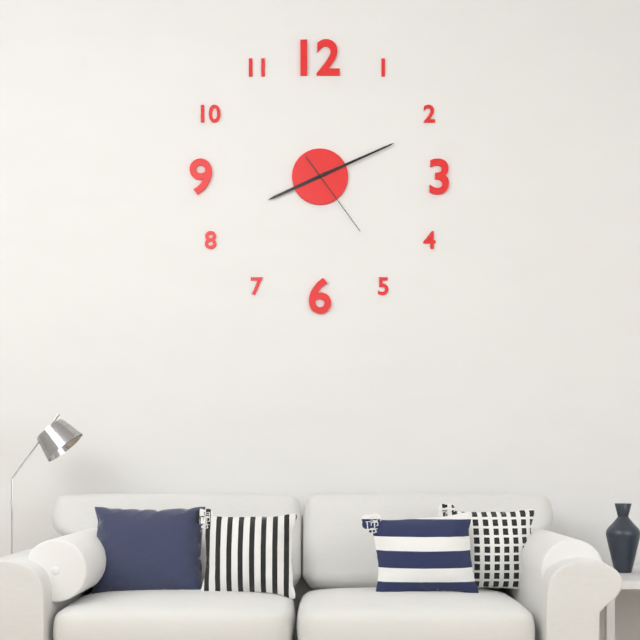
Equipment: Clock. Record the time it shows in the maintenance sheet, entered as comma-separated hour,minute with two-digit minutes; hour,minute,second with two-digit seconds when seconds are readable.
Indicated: 8,11,24
